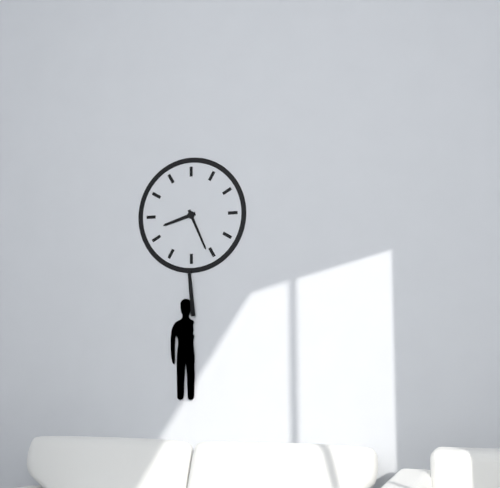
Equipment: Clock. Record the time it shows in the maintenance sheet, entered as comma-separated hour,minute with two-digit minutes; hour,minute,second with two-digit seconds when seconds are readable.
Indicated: 8,26
